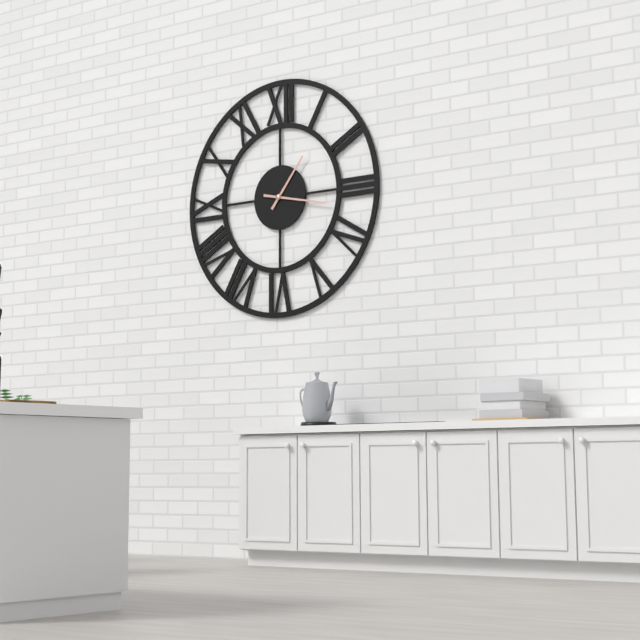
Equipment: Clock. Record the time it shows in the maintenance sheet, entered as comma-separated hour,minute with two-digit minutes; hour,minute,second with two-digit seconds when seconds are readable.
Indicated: 1,17
